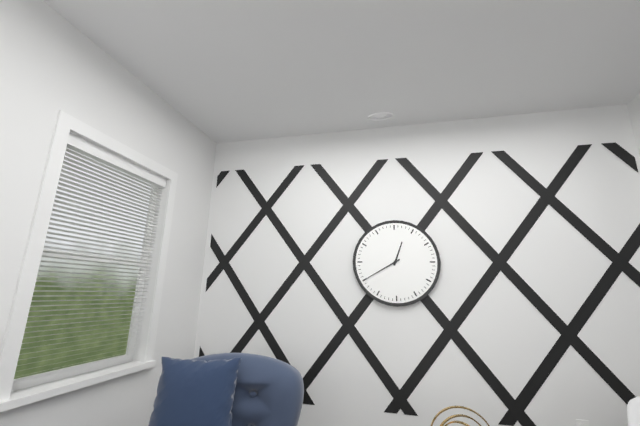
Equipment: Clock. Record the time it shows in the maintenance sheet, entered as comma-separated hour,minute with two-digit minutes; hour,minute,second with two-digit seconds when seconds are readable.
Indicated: 12,40
